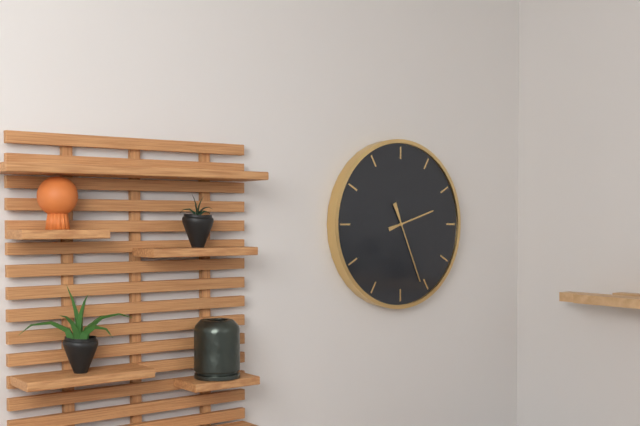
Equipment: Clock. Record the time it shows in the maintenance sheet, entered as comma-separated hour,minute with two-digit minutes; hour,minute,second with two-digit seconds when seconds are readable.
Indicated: 2,26
